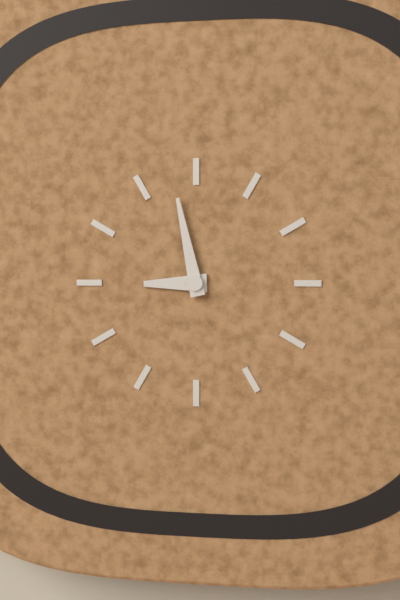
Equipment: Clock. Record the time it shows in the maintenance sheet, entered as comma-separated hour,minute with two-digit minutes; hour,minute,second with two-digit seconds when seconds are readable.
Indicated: 8,58
